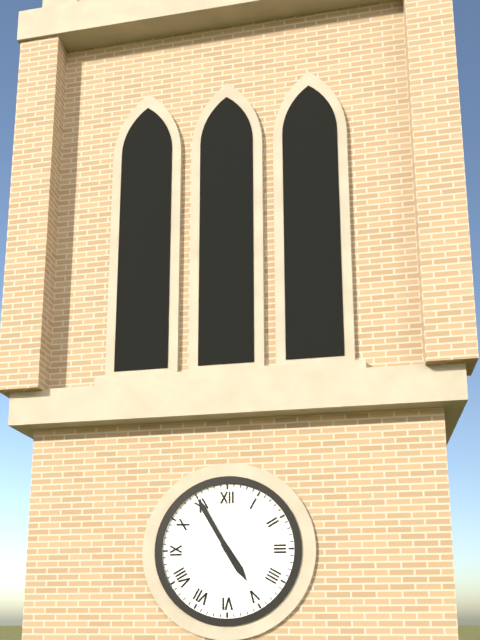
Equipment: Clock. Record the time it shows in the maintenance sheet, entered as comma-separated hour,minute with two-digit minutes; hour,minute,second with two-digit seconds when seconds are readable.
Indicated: 4,55
